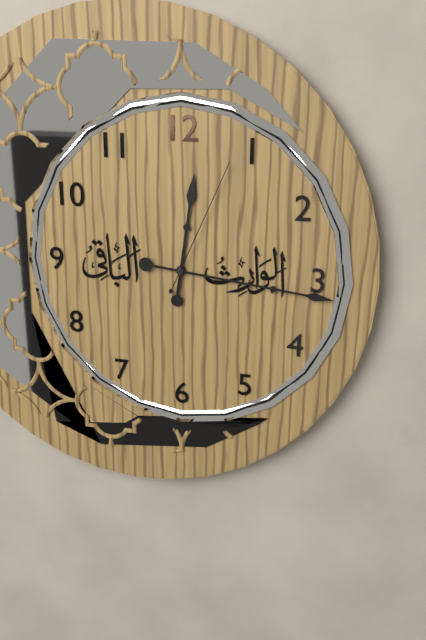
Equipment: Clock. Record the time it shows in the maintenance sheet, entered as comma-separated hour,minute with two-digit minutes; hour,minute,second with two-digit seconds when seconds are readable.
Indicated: 12,16,04
